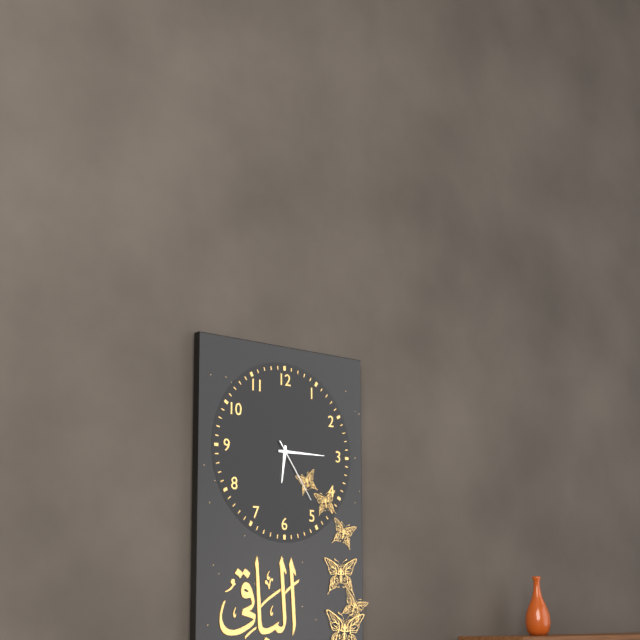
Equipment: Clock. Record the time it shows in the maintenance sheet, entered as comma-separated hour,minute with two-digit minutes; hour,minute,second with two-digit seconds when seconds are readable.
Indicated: 6,15,24
